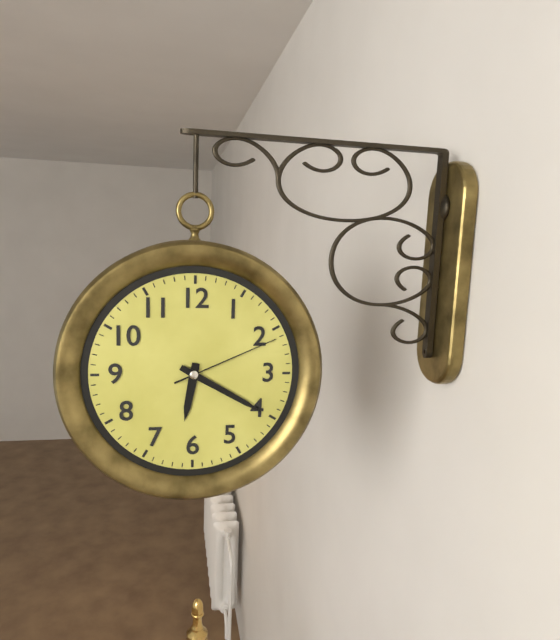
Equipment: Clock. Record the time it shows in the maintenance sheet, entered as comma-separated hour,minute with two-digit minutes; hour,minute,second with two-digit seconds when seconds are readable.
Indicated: 6,20,11
